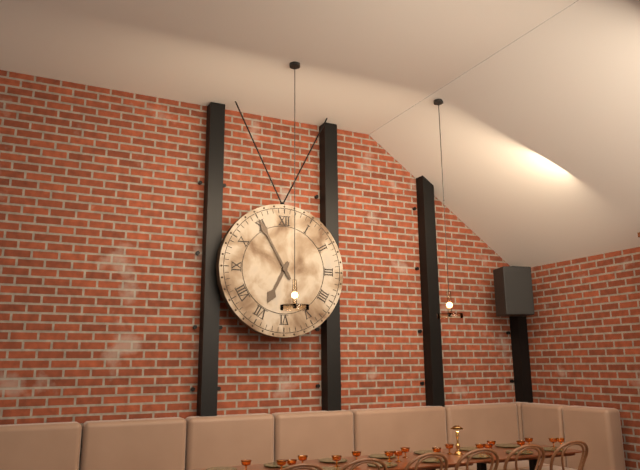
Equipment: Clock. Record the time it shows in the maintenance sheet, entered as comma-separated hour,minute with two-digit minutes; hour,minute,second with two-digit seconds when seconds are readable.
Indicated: 6,55
